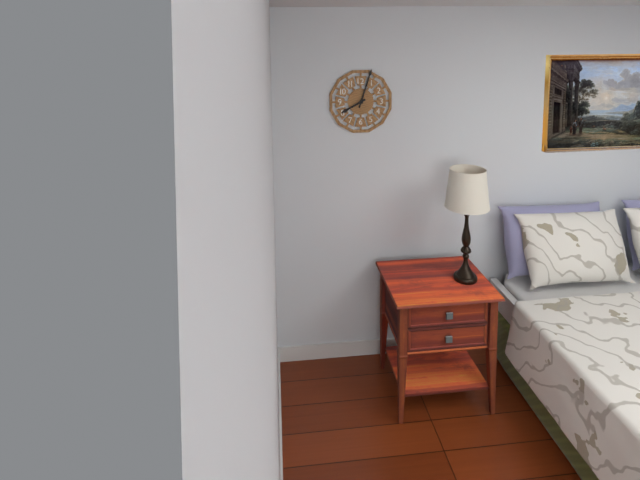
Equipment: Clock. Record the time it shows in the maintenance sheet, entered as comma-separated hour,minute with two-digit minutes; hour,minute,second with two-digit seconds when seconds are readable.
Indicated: 8,03
